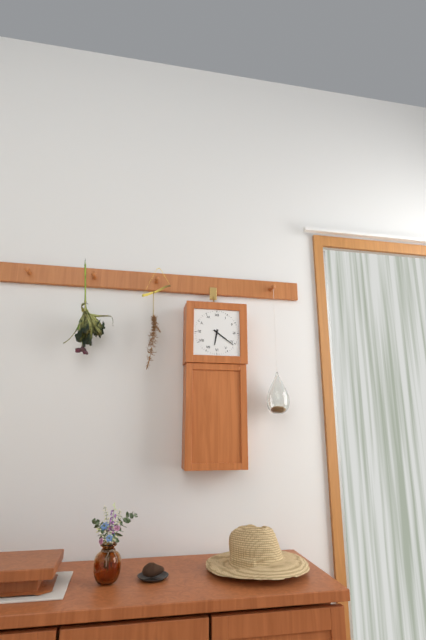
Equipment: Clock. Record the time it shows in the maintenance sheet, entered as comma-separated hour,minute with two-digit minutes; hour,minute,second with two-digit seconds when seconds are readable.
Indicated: 6,21
